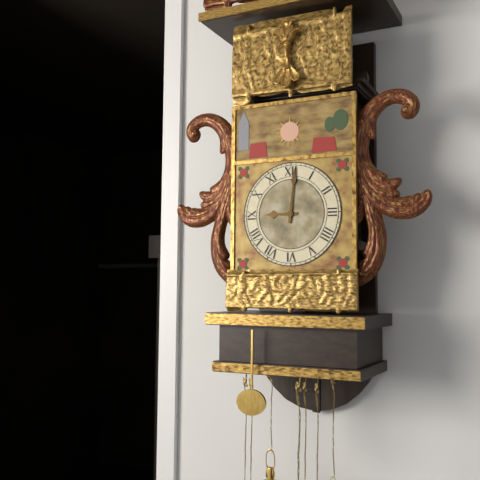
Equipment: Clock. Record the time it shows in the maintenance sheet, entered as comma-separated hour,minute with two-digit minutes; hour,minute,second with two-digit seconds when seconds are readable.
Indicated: 9,01
